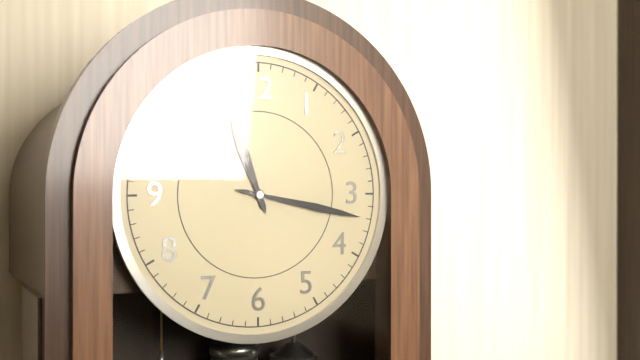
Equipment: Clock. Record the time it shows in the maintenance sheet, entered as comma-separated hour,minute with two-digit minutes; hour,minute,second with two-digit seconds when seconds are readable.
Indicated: 11,17
